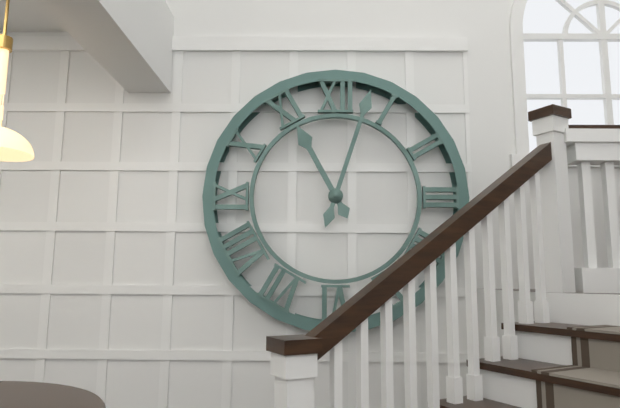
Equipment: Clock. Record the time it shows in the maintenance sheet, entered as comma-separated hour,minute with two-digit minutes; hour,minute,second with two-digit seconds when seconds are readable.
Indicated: 11,03
